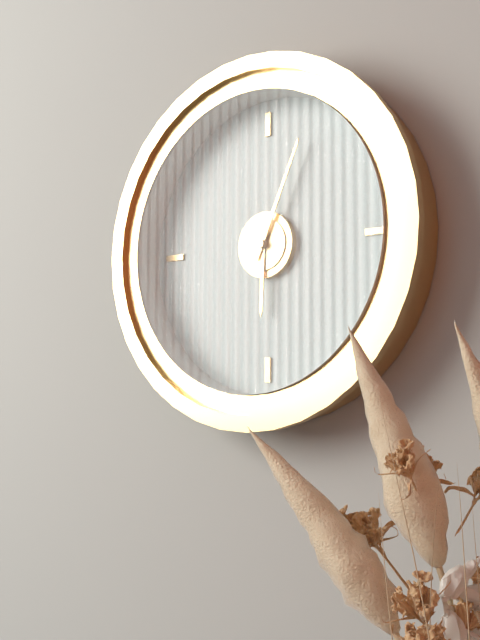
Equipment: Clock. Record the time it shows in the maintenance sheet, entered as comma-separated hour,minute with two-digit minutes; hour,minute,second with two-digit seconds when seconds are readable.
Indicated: 6,04
